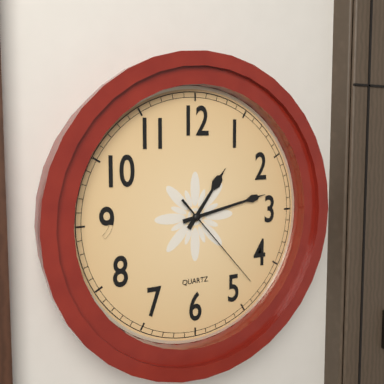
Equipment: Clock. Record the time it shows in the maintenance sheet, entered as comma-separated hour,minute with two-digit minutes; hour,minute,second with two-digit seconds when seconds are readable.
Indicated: 1,13,23
